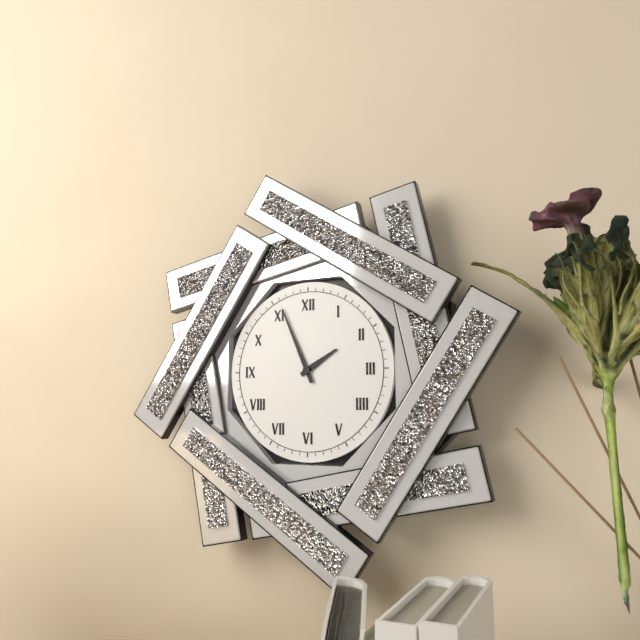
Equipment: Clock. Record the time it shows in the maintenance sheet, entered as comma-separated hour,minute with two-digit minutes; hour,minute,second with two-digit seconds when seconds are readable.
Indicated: 1,56
